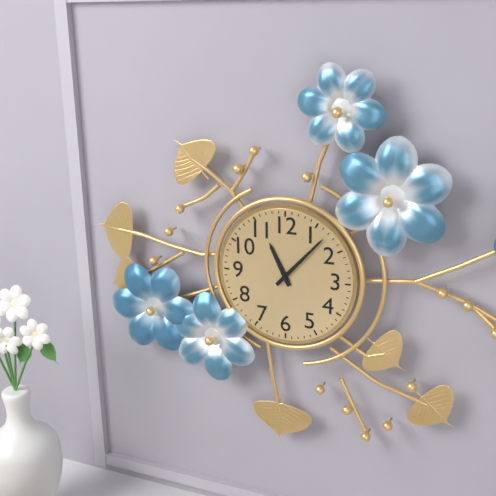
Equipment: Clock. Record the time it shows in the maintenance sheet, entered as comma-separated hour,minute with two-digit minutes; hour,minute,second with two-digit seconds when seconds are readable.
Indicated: 11,07
